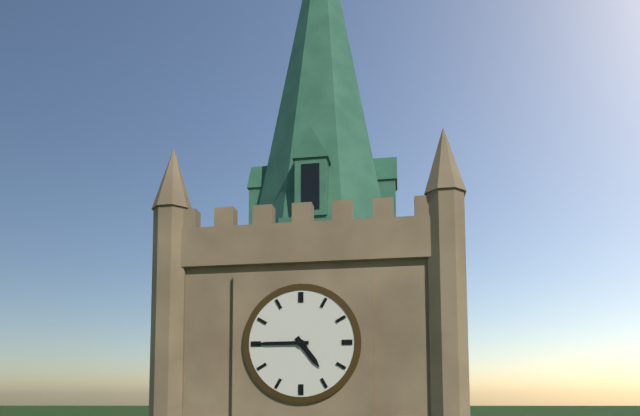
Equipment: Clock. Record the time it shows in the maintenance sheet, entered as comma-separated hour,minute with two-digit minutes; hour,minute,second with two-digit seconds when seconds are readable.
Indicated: 4,45
